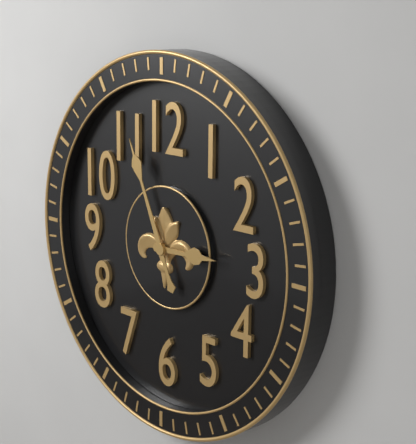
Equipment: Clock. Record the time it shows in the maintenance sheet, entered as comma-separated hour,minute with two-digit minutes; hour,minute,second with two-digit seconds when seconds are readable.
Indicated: 2,56
